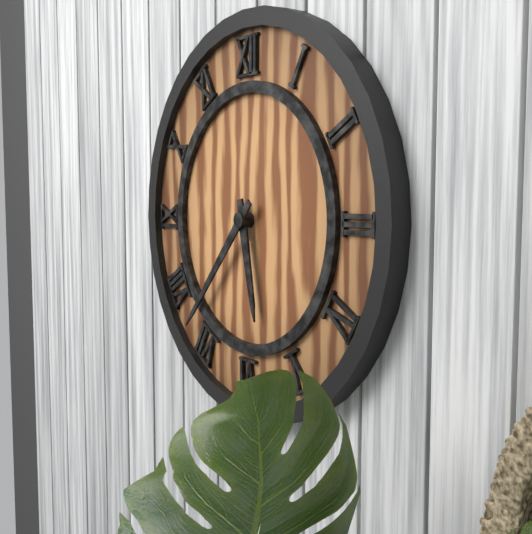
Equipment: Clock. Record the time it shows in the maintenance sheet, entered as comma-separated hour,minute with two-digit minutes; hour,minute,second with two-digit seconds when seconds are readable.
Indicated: 5,37
